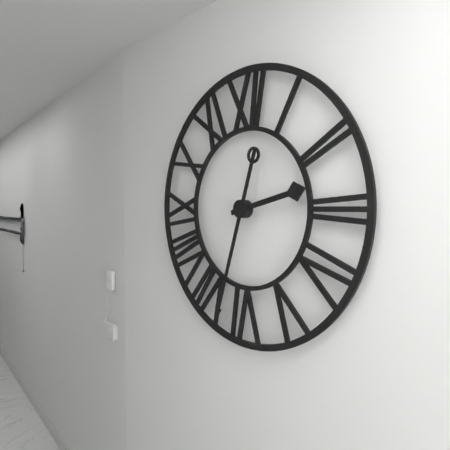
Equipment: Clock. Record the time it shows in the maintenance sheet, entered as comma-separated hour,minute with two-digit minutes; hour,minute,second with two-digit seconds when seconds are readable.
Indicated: 2,33
